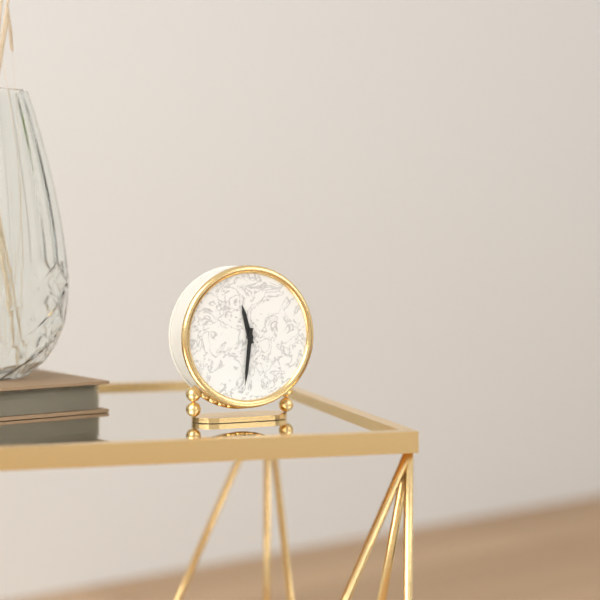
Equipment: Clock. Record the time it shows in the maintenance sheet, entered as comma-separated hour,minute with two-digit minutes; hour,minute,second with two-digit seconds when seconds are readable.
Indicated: 11,31
